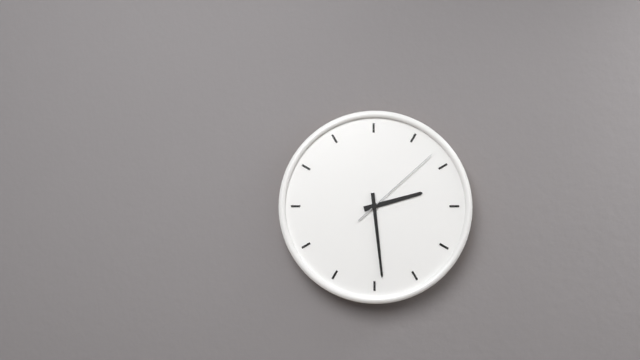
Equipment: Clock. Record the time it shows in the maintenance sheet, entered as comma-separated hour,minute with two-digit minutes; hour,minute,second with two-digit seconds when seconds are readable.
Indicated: 2,29,08
